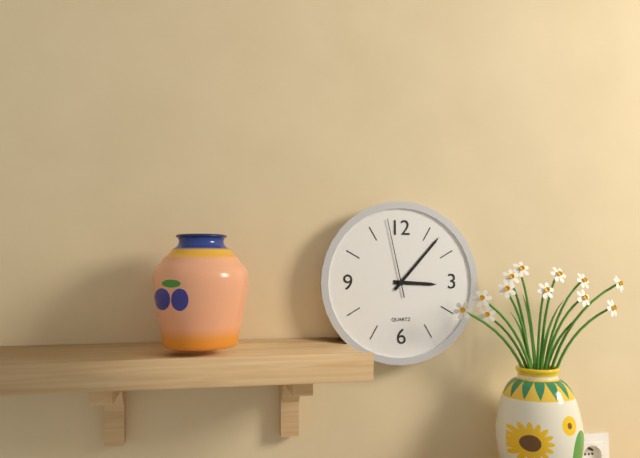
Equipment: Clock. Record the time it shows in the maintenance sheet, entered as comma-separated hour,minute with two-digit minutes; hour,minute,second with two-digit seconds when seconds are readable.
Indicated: 3,07,58
